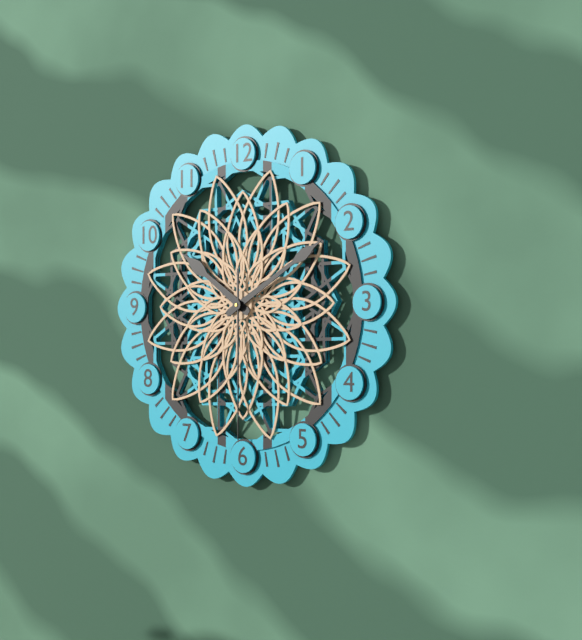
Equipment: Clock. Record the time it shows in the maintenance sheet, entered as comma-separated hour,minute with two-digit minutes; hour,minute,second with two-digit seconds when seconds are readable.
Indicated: 10,10,30
